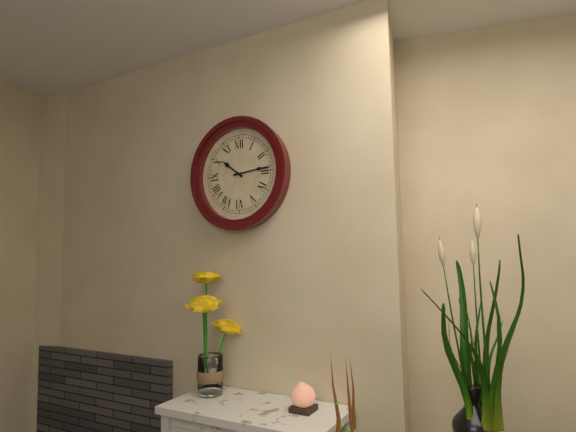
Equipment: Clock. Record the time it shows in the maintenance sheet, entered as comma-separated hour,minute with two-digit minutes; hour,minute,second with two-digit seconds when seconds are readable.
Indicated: 10,14
